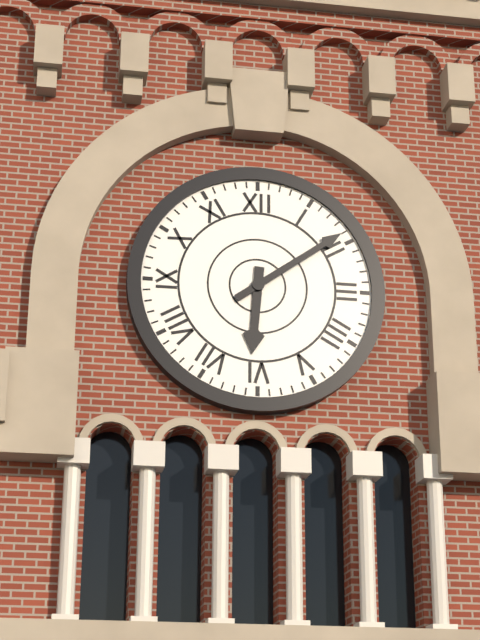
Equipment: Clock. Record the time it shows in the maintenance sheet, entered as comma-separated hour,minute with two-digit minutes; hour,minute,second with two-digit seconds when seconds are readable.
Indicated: 6,09
